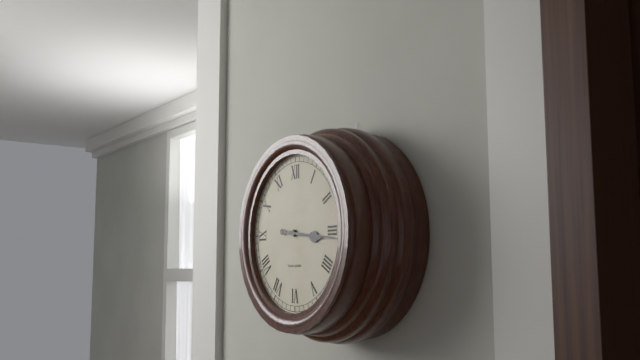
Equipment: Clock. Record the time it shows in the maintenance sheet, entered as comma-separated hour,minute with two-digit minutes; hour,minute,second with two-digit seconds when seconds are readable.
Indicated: 3,16
